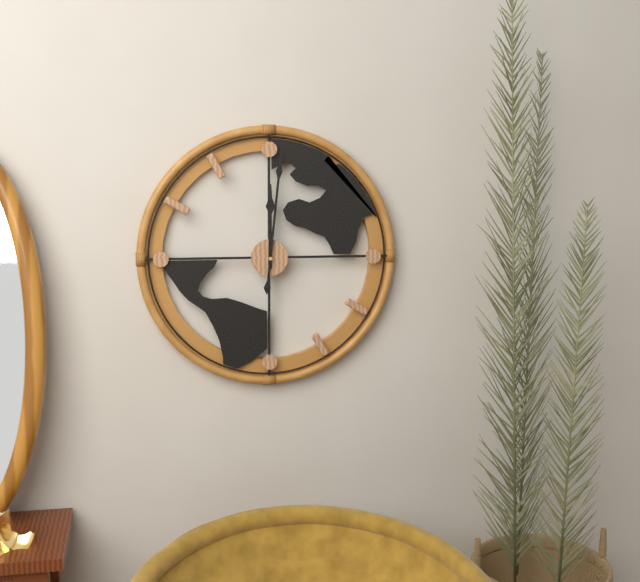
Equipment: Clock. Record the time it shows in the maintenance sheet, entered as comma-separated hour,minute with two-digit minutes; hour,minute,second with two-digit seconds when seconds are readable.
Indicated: 12,01
